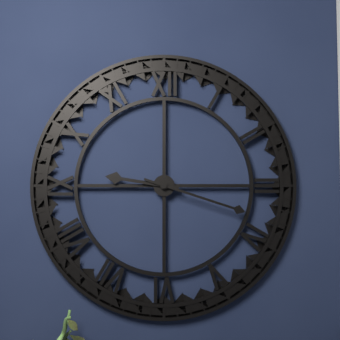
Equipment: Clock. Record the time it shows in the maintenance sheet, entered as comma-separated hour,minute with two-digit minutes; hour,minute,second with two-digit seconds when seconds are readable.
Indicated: 9,18
